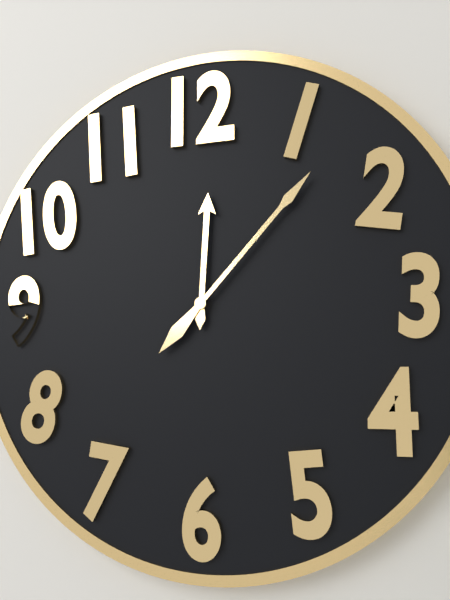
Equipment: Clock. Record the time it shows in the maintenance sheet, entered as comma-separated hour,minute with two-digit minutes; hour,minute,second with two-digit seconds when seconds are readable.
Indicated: 12,07
